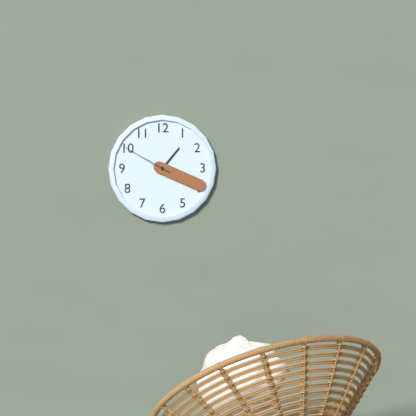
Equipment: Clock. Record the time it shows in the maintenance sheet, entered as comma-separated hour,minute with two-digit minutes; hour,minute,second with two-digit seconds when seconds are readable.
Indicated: 1,19,50
